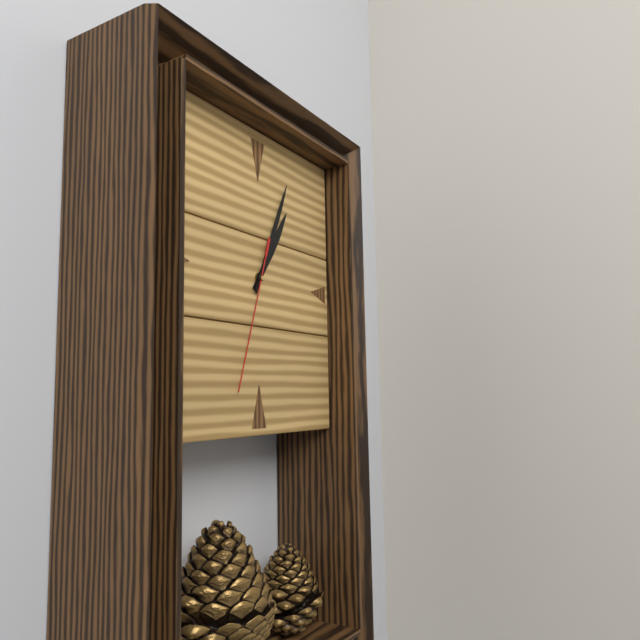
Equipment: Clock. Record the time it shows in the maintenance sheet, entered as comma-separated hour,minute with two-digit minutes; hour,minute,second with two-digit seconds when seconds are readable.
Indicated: 1,04,33
